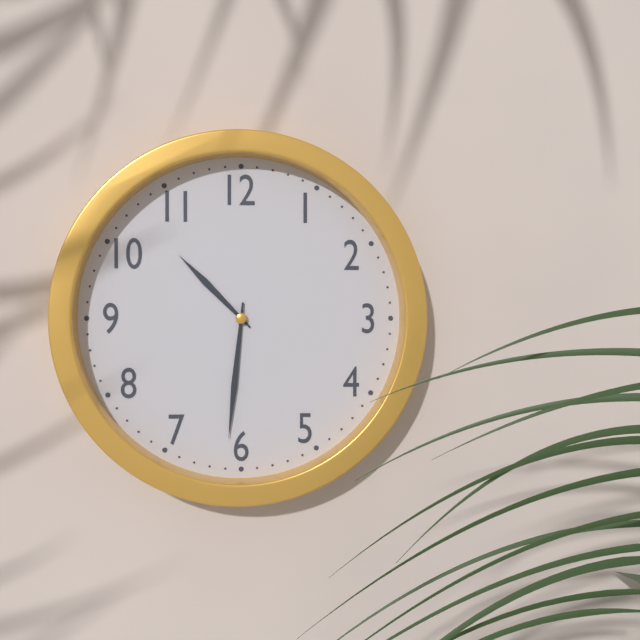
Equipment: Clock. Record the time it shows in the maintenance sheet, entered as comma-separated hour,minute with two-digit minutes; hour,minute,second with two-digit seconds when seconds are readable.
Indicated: 10,31
